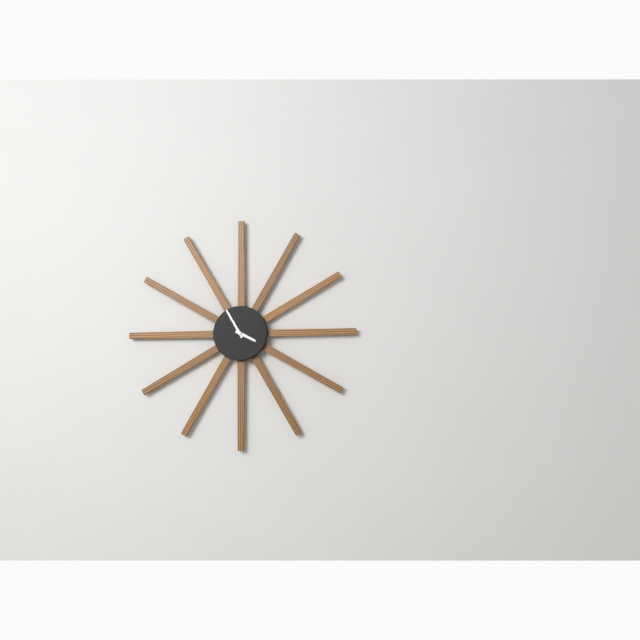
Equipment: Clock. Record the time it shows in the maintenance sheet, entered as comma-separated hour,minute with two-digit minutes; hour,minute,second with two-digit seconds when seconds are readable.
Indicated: 3,55
